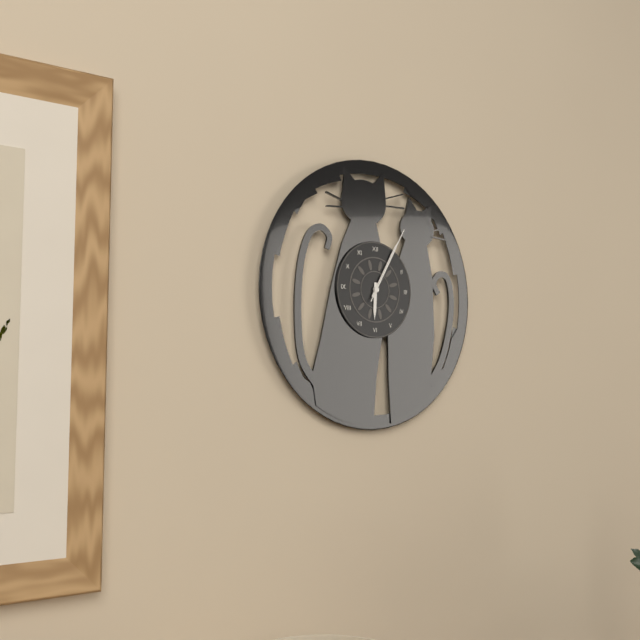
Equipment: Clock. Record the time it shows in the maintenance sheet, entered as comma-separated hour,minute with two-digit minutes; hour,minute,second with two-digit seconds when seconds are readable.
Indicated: 6,05,05
